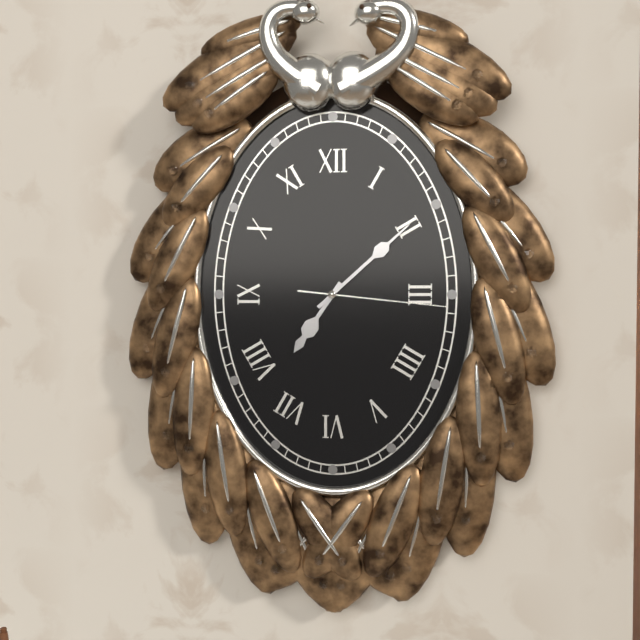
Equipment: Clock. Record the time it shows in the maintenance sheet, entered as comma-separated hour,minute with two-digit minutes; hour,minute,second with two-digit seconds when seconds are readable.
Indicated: 7,08,16
